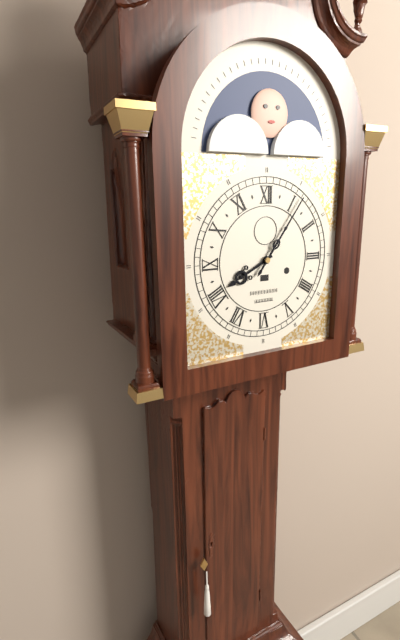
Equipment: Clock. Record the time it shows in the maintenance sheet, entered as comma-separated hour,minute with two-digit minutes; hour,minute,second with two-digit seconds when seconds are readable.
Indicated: 8,06
